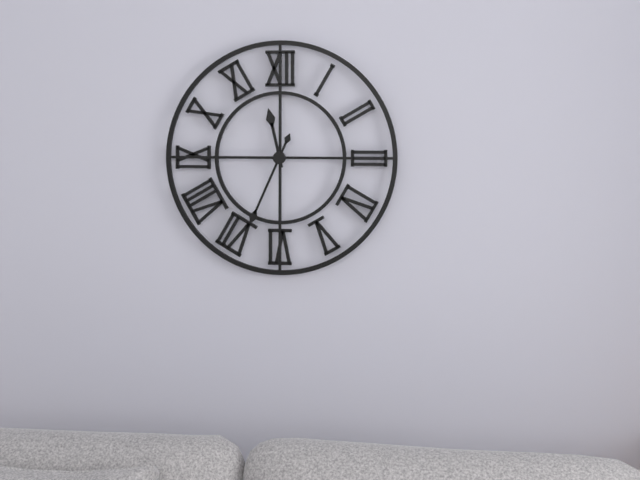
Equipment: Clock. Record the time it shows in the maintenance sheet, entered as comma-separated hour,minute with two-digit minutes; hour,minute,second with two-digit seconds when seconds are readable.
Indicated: 11,34
